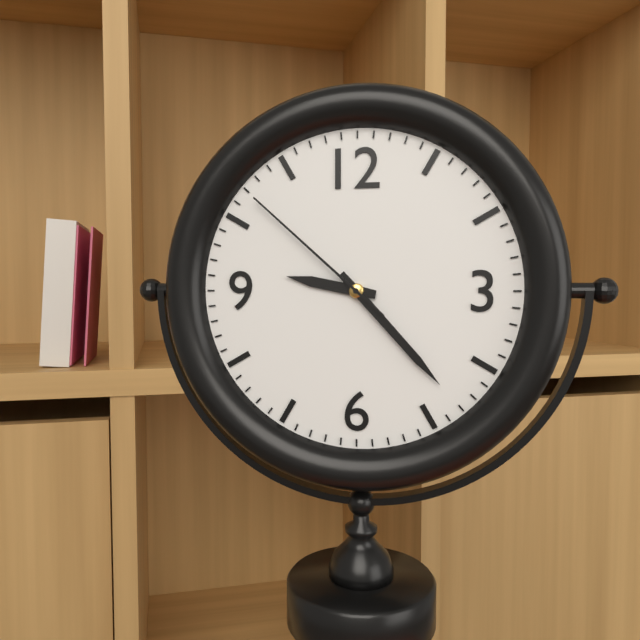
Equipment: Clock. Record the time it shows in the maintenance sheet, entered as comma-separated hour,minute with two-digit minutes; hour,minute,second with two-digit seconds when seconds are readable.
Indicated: 9,23,52
